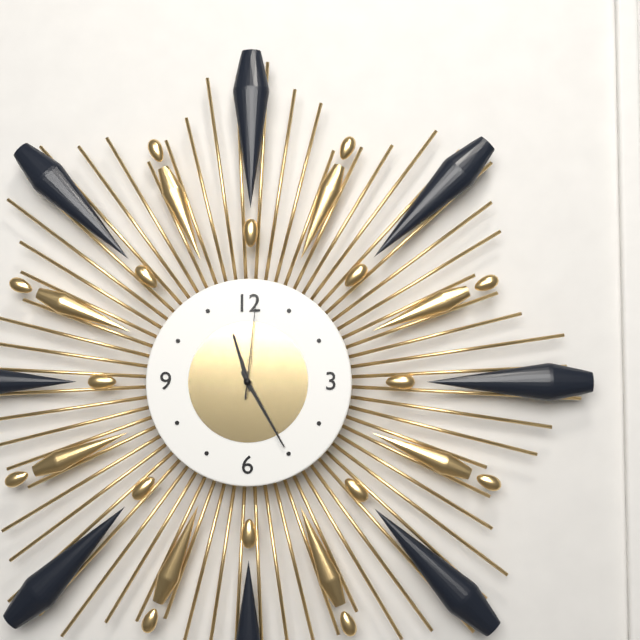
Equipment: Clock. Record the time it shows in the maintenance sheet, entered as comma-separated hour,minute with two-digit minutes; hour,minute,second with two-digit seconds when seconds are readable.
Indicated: 11,25,01
